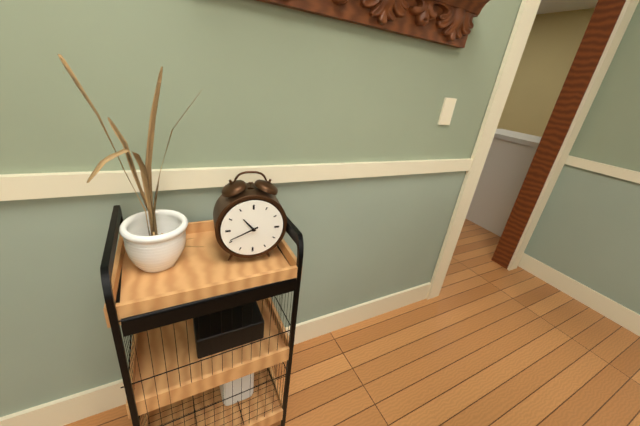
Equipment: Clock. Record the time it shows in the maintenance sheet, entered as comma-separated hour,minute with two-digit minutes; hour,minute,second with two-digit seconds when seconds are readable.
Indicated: 10,41
